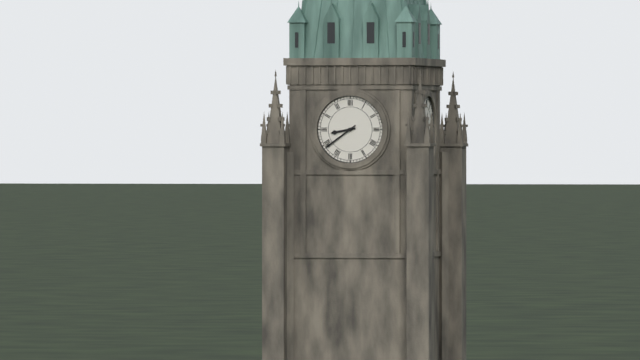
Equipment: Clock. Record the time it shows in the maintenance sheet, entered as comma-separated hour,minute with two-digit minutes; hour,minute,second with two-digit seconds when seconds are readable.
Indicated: 8,39
